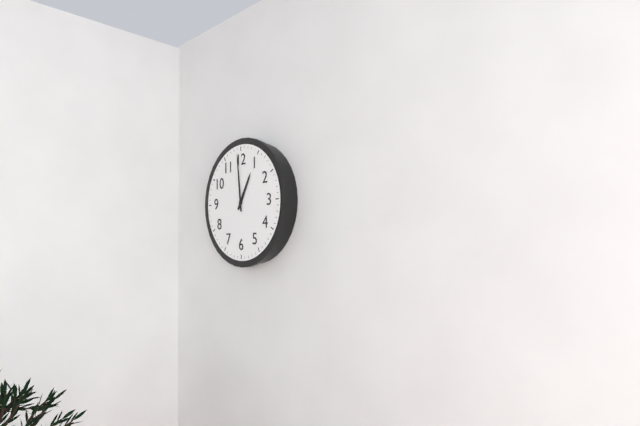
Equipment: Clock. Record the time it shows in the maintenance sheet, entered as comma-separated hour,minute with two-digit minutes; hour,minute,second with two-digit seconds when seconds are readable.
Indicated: 12,59
